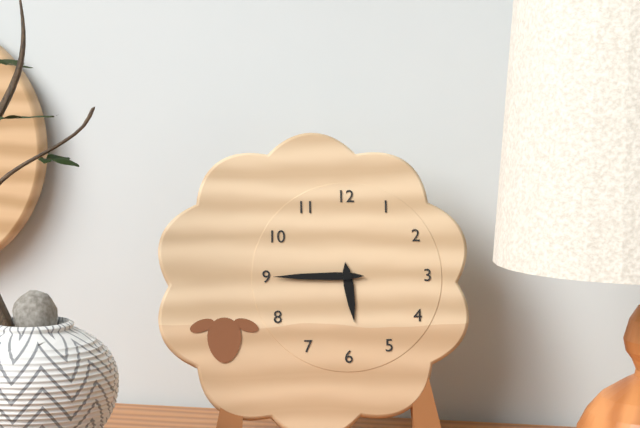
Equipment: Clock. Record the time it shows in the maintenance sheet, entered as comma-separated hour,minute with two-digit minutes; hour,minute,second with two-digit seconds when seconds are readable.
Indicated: 5,45
